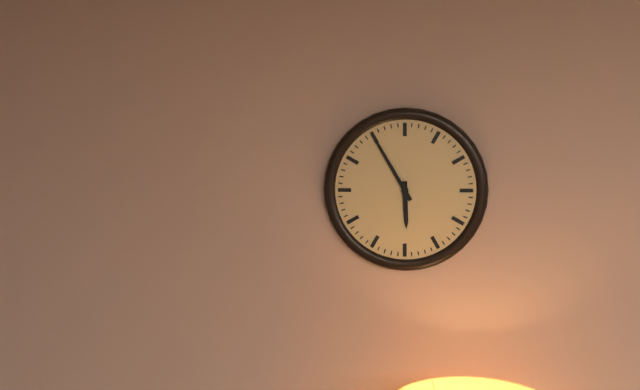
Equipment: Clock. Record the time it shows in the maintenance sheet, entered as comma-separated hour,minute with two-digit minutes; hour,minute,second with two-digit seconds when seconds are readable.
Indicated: 5,55
